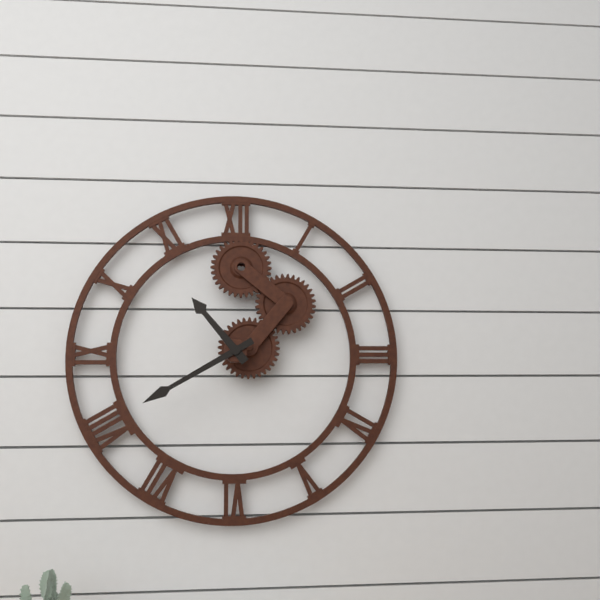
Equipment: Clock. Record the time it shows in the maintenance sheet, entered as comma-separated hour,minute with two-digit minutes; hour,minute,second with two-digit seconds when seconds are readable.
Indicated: 10,40
